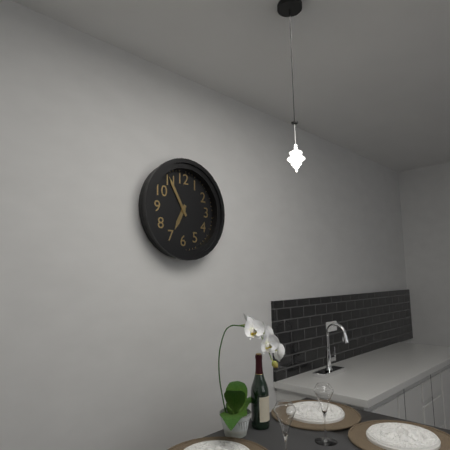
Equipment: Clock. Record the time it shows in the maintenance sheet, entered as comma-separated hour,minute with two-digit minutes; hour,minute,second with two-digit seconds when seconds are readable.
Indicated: 6,55
